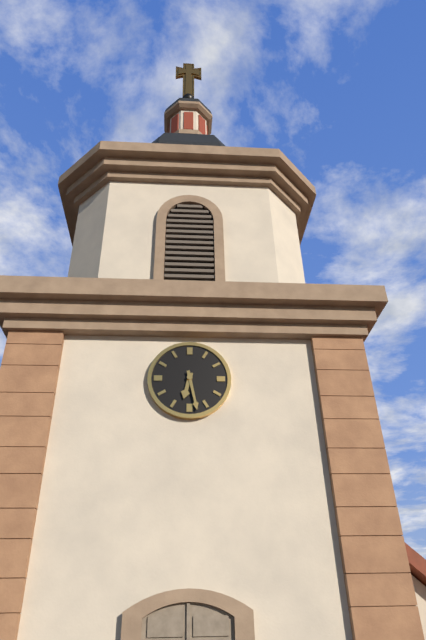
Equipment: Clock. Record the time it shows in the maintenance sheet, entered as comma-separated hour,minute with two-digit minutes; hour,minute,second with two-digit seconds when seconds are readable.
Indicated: 6,28
